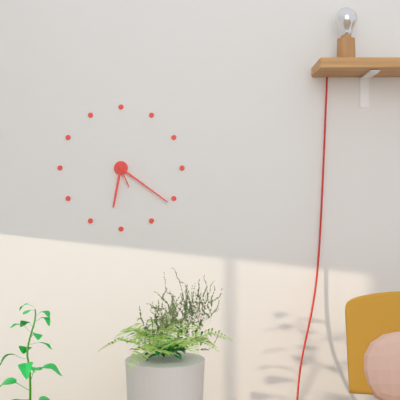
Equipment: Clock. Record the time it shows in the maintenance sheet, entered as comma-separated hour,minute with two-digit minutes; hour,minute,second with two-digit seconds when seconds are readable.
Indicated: 6,21
